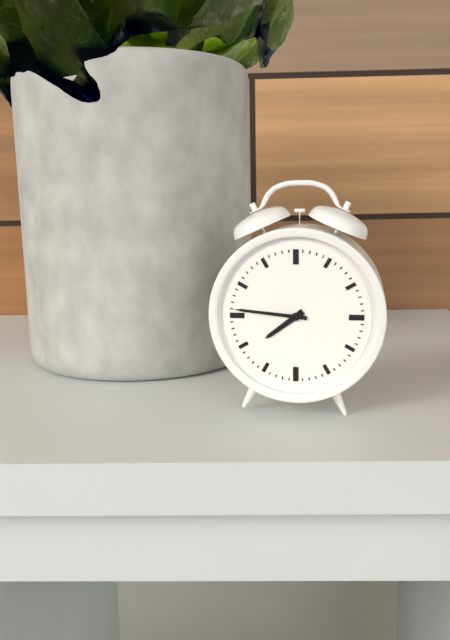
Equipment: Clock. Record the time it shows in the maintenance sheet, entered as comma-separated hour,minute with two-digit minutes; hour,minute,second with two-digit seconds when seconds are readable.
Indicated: 7,46
